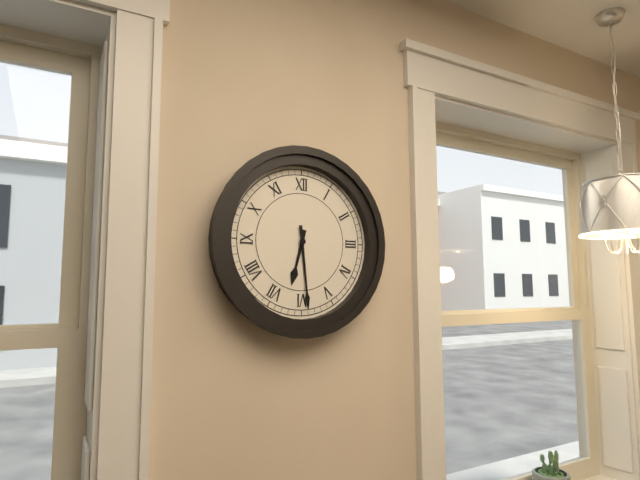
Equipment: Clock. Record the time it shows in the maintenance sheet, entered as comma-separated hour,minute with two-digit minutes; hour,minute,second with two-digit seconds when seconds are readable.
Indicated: 6,29
